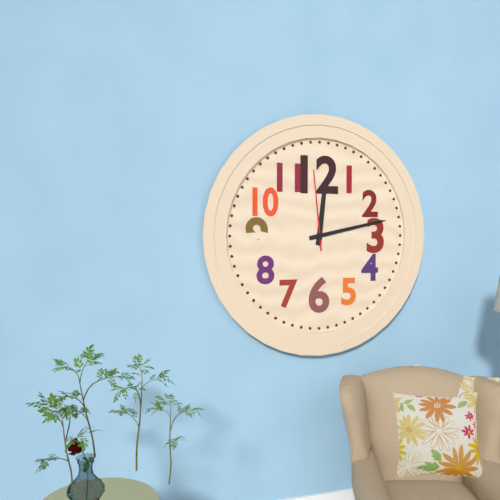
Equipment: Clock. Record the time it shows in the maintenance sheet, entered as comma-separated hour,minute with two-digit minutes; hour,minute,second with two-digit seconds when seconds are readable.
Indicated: 12,13,59
